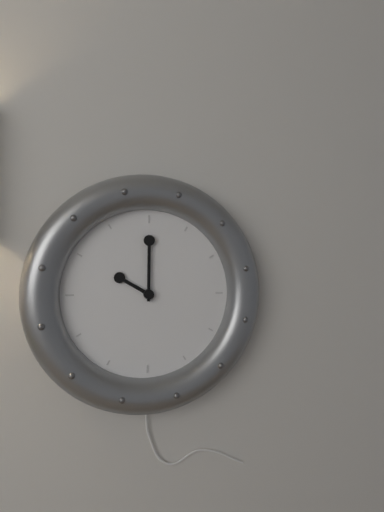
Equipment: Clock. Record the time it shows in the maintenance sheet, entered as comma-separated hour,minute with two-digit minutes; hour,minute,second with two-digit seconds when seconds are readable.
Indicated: 10,00
